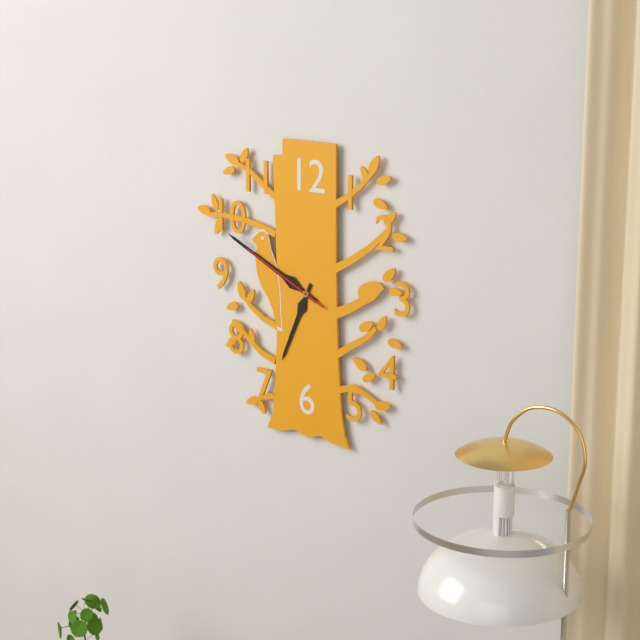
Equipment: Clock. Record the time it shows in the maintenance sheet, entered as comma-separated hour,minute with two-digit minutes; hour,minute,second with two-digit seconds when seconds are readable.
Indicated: 6,49,49
